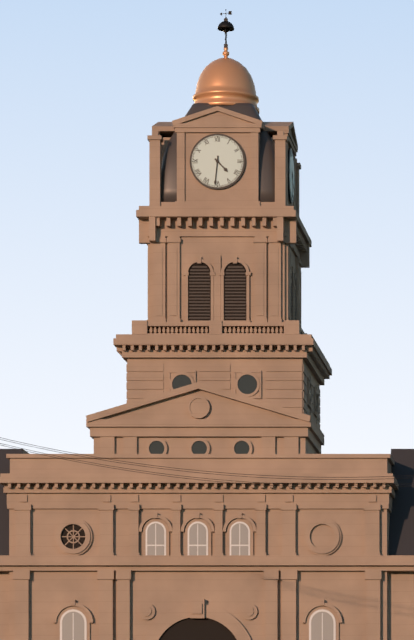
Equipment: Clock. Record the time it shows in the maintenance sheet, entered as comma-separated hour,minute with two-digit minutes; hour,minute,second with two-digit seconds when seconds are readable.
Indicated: 4,31
